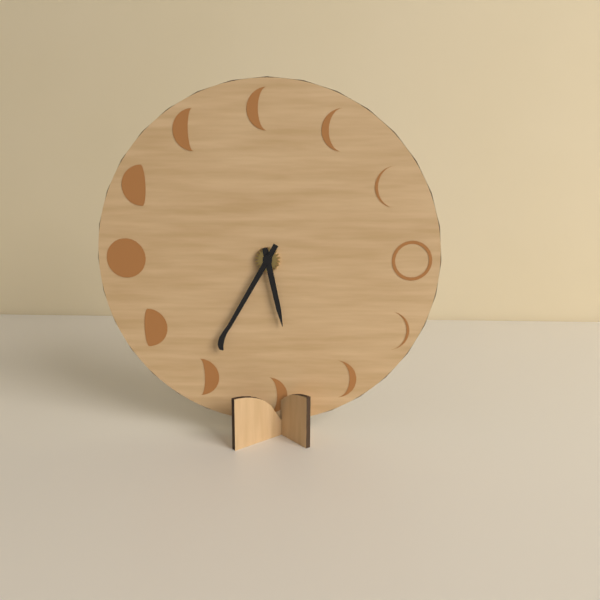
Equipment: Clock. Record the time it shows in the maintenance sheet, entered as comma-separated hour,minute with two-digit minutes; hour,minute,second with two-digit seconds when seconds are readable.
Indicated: 5,35
